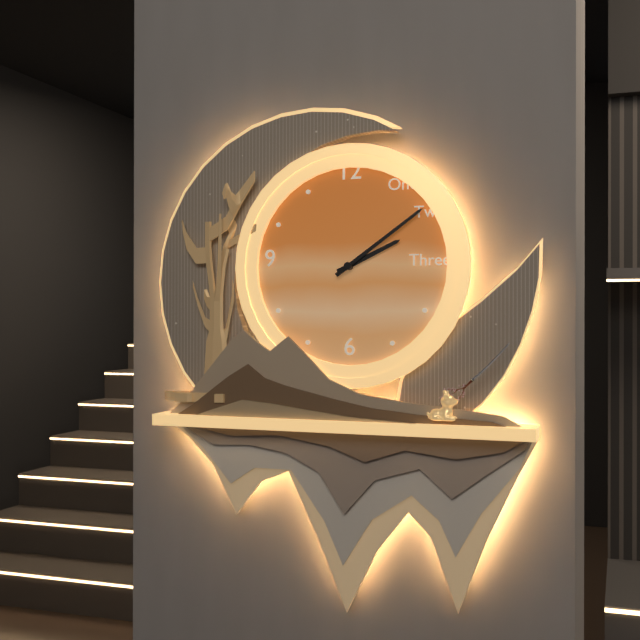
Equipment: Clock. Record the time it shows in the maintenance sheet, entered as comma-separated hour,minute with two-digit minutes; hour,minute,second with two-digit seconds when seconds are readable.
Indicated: 2,09
